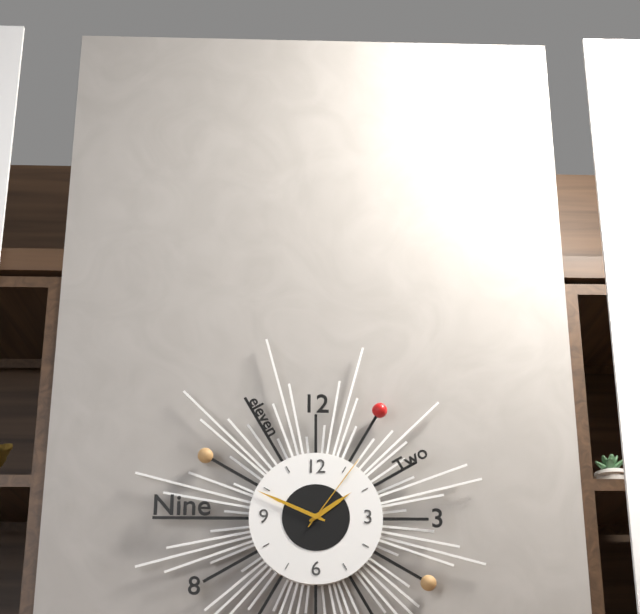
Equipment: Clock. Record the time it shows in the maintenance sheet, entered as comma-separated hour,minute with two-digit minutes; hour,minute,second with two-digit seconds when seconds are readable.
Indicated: 1,49,06
